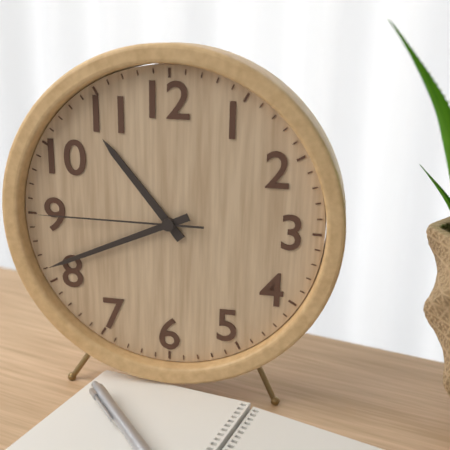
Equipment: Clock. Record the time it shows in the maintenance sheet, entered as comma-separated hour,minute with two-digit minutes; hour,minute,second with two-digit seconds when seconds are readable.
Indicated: 10,41,45
